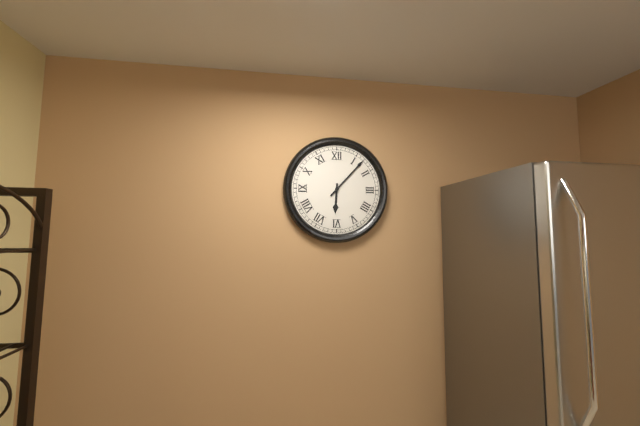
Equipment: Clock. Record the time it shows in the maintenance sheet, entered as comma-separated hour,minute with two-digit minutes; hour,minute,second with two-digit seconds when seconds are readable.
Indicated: 6,07
